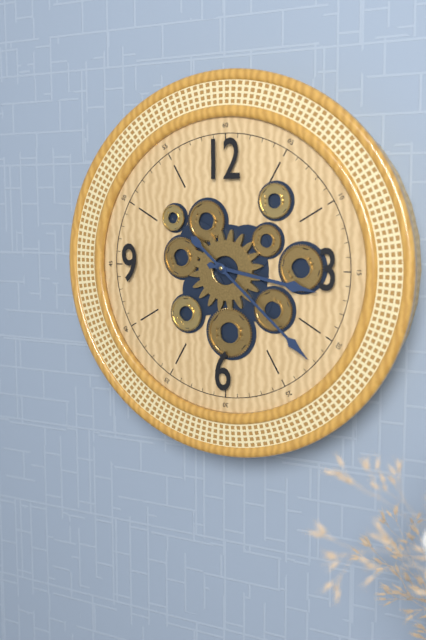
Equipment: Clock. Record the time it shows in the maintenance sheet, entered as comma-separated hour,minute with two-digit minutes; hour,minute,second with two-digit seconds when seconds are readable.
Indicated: 3,22
